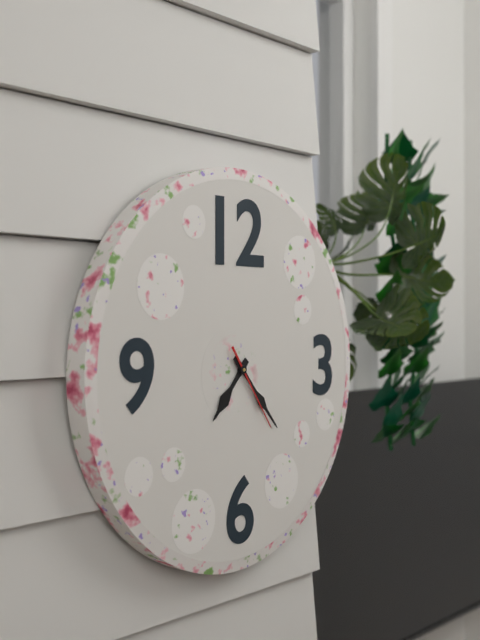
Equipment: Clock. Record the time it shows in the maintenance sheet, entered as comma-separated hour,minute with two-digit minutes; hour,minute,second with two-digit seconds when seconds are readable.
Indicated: 7,23,24
